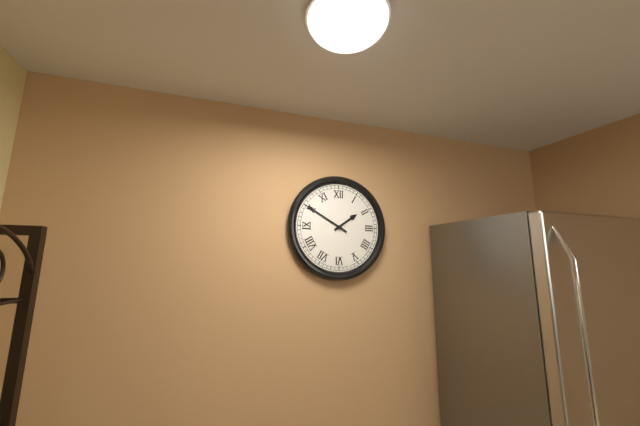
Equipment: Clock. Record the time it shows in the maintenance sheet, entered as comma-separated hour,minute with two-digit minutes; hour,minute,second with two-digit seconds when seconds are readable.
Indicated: 1,50
